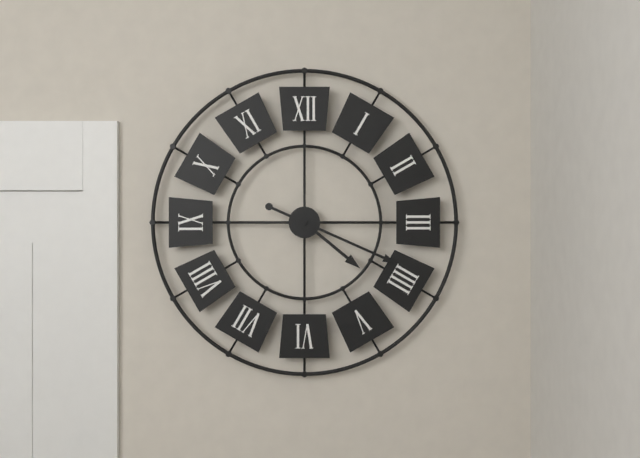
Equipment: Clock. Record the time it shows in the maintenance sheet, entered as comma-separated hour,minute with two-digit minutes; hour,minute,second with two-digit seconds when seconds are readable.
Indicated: 4,19
